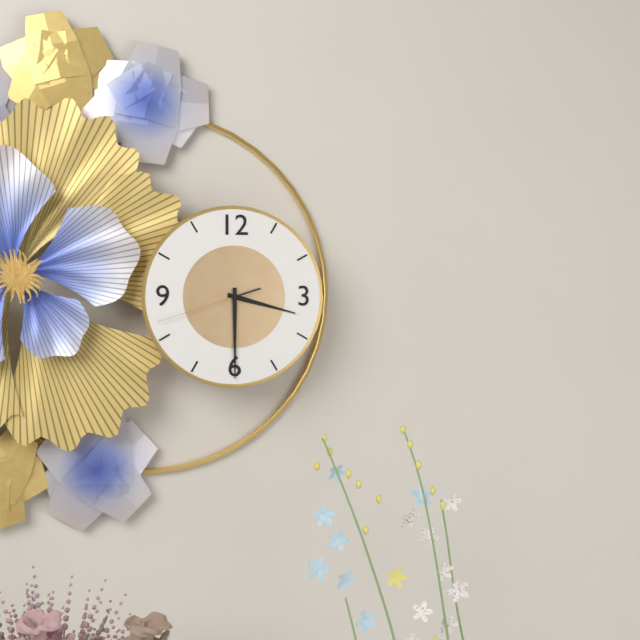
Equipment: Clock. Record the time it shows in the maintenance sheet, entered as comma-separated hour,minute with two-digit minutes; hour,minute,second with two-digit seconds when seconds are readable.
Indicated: 3,30,42
